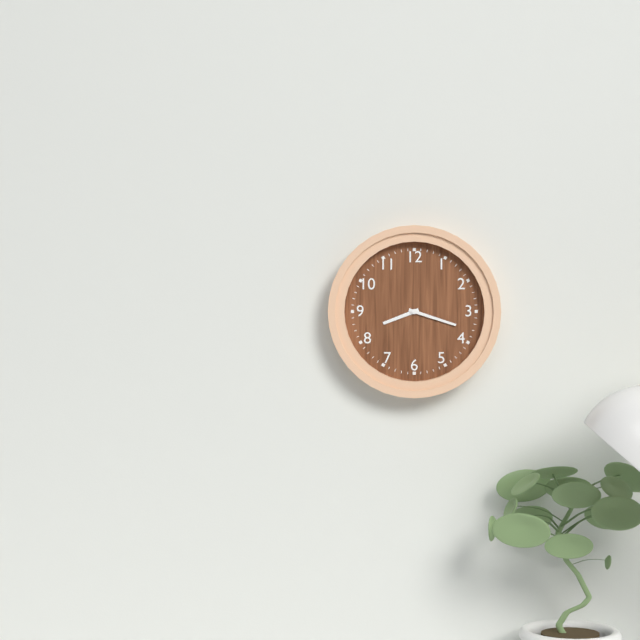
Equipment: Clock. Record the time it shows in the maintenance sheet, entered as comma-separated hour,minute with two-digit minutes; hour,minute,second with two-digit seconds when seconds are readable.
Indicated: 8,18
